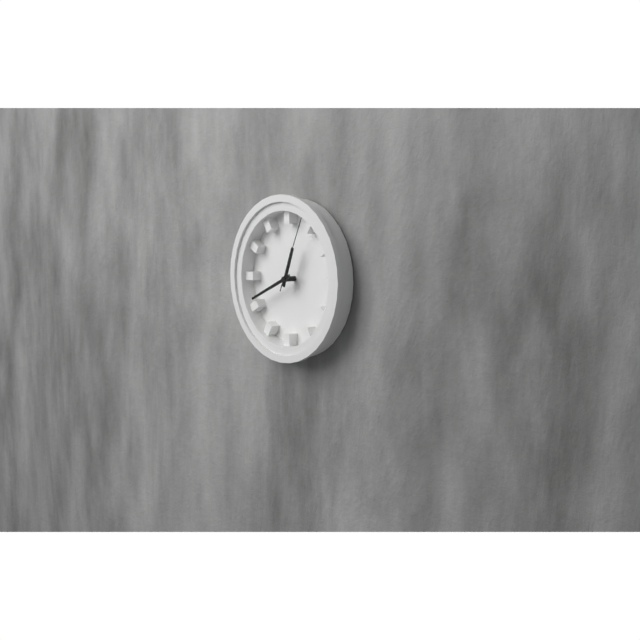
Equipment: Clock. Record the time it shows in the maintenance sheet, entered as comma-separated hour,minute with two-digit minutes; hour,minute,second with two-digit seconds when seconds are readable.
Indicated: 12,41,04
